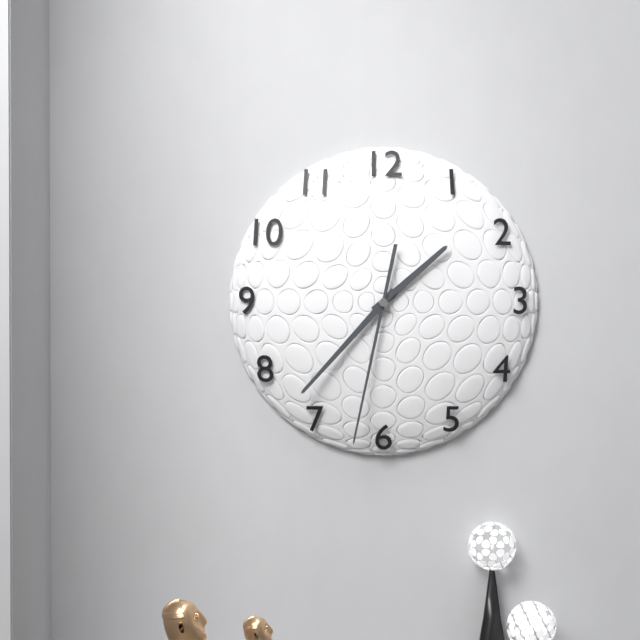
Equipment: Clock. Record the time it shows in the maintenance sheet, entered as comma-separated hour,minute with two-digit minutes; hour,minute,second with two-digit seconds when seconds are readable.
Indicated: 1,37,32
